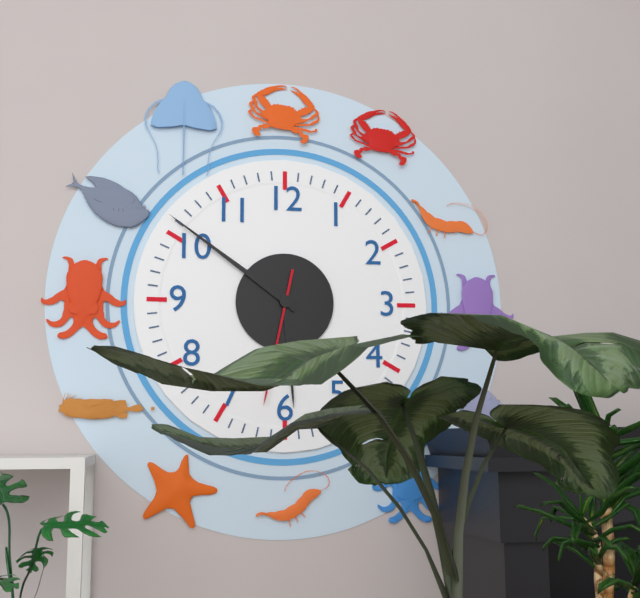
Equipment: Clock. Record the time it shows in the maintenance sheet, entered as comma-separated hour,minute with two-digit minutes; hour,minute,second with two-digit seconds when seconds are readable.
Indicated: 5,51,32
